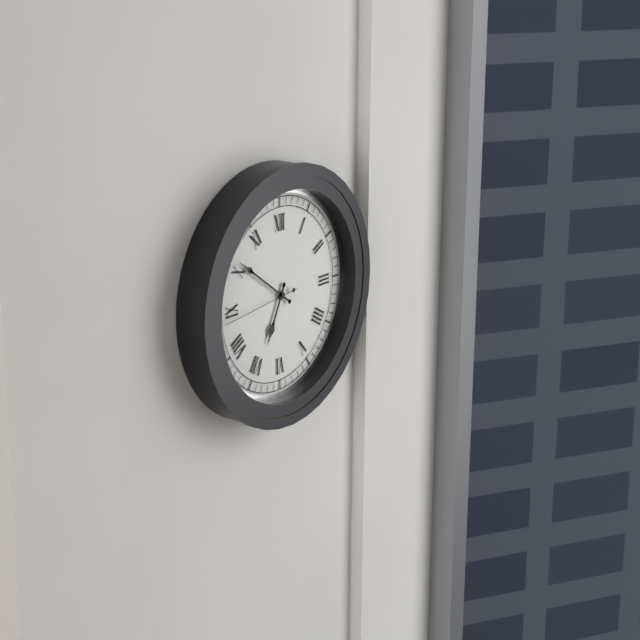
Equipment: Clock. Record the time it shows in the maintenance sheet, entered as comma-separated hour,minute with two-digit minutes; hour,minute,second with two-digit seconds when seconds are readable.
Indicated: 6,51,44
